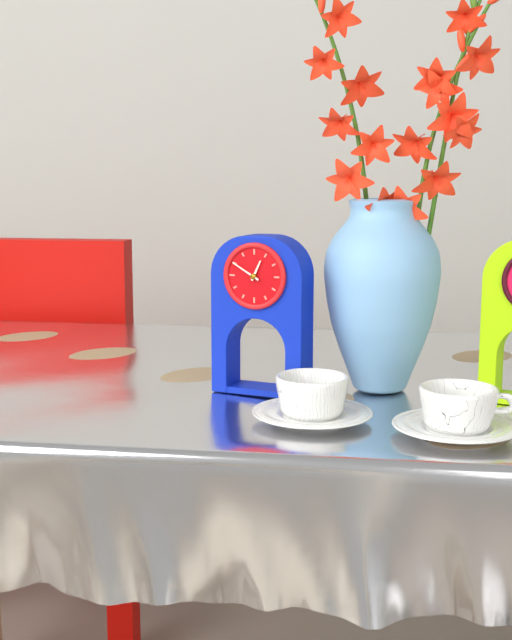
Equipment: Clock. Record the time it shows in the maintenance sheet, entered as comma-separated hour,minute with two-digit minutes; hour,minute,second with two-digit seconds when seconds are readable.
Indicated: 12,50
